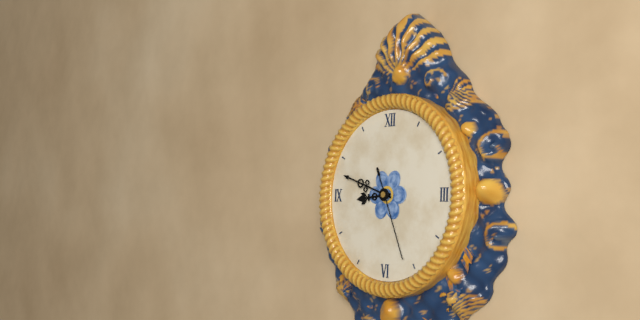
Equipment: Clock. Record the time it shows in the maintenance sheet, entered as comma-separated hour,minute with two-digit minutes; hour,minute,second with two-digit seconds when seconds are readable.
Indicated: 8,48,26
